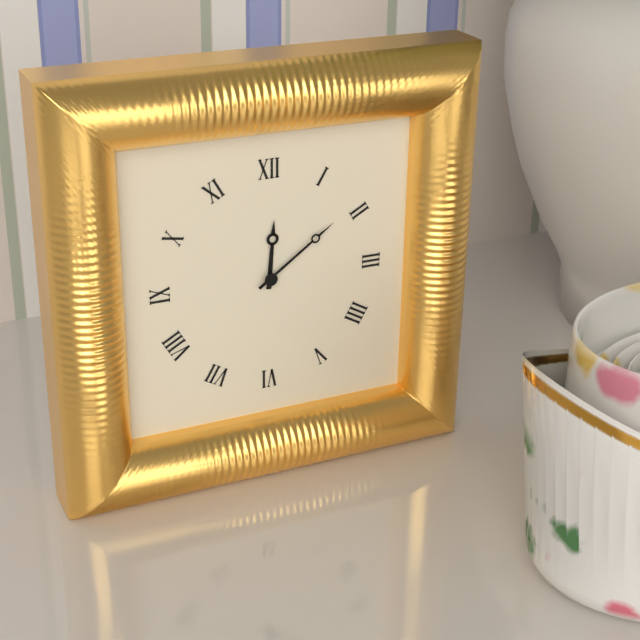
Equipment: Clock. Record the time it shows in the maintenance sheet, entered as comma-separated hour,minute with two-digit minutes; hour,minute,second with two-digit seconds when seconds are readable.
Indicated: 12,09
